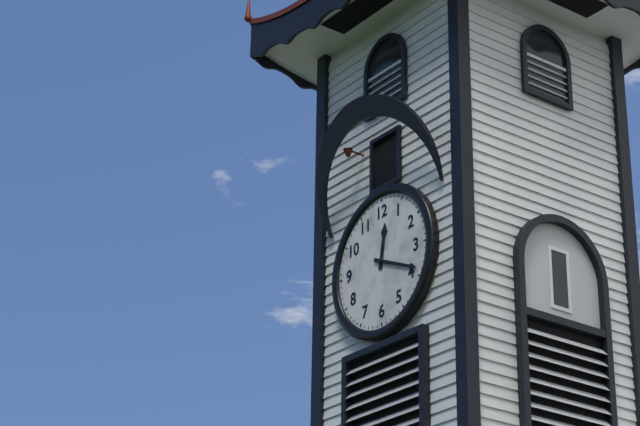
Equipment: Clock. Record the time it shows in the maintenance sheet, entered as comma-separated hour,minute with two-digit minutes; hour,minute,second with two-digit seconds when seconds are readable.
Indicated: 12,19
